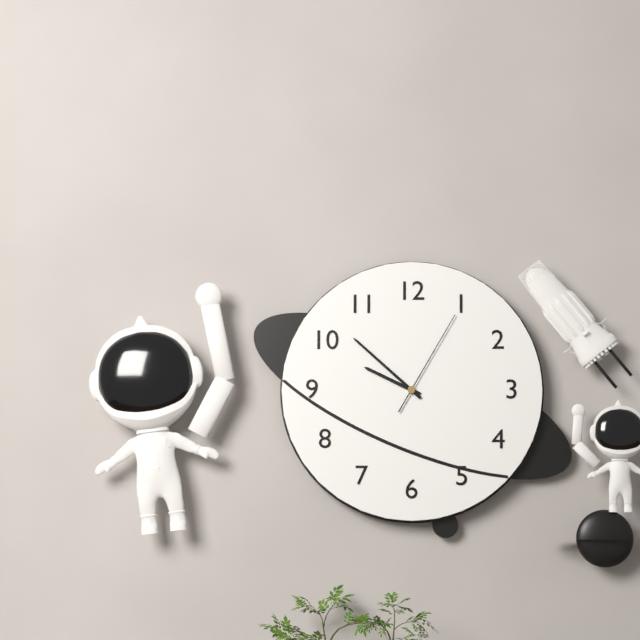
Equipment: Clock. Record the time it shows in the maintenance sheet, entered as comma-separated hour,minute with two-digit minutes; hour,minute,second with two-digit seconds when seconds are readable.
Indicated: 9,52,05
